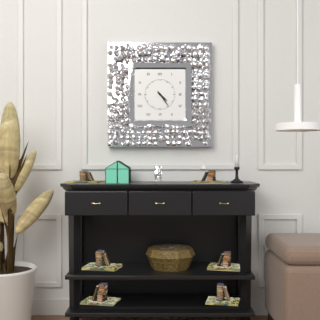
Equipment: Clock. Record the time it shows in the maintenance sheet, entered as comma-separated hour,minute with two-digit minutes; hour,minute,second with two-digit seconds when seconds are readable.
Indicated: 4,24
